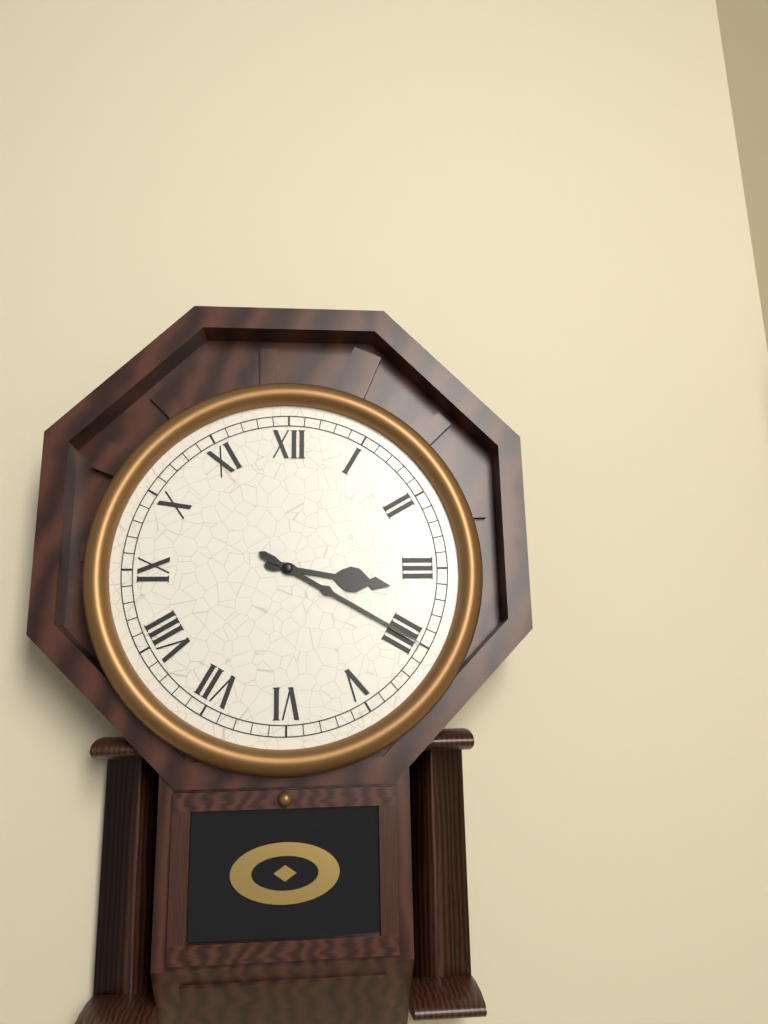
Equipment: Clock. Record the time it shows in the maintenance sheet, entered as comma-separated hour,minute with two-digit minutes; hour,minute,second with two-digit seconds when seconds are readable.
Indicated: 3,20
